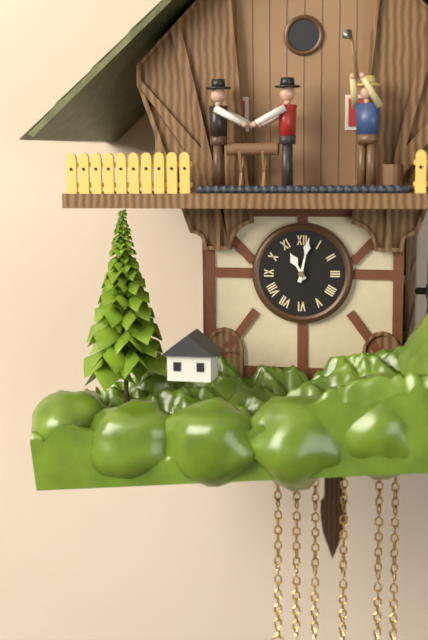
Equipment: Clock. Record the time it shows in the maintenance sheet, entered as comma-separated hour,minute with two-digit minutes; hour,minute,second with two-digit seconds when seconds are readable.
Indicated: 11,02
